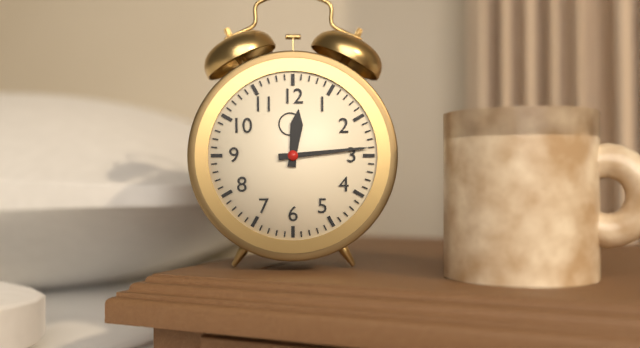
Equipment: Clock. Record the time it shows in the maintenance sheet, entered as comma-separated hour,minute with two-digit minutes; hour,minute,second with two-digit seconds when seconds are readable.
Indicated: 12,14
